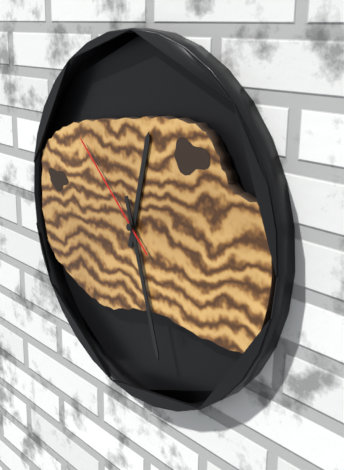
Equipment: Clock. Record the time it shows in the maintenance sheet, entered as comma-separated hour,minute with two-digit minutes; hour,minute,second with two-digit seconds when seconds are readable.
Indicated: 12,27,52
